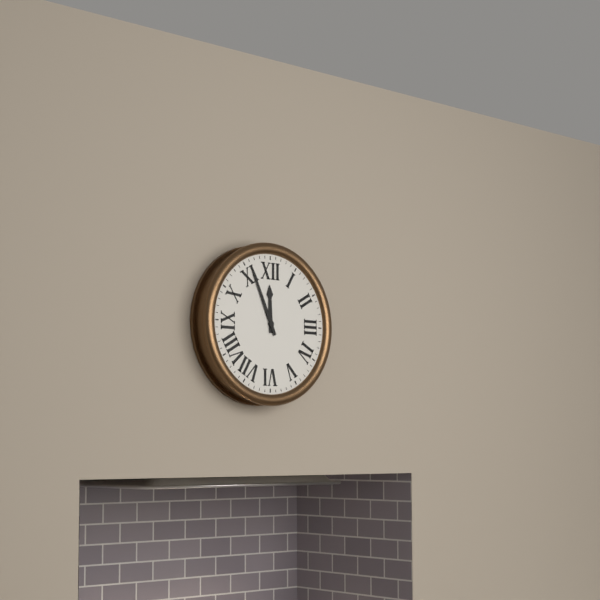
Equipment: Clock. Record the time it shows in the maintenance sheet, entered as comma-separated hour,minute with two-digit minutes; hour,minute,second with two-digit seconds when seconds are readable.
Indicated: 11,56
